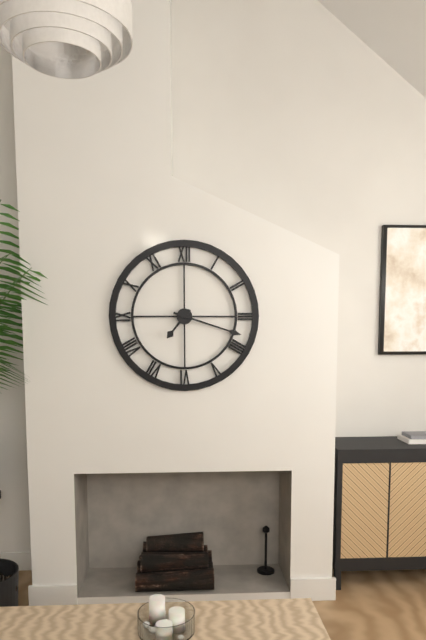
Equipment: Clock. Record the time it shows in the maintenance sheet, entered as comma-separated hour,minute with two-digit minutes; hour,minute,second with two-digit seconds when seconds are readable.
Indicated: 7,18
